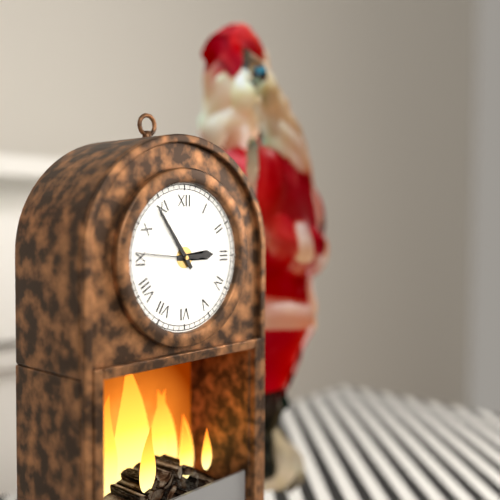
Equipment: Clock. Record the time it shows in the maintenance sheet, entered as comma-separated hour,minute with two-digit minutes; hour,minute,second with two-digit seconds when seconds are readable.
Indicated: 2,54,46
